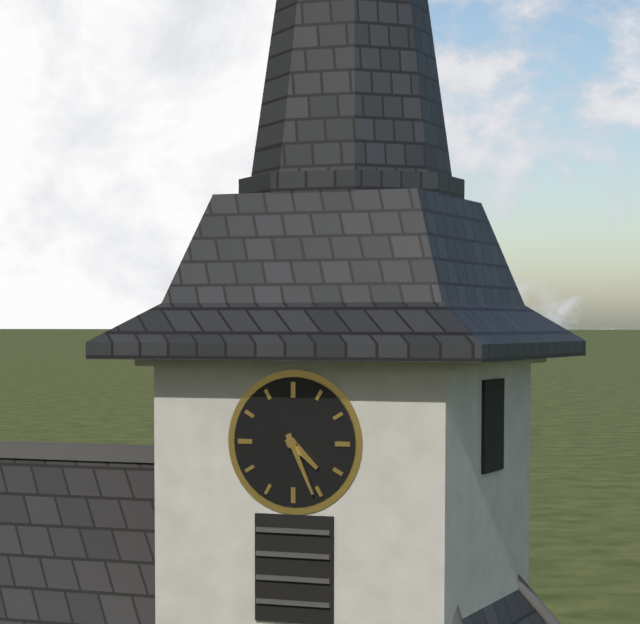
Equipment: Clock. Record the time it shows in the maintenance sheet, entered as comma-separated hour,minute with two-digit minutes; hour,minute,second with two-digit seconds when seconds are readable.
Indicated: 4,26
